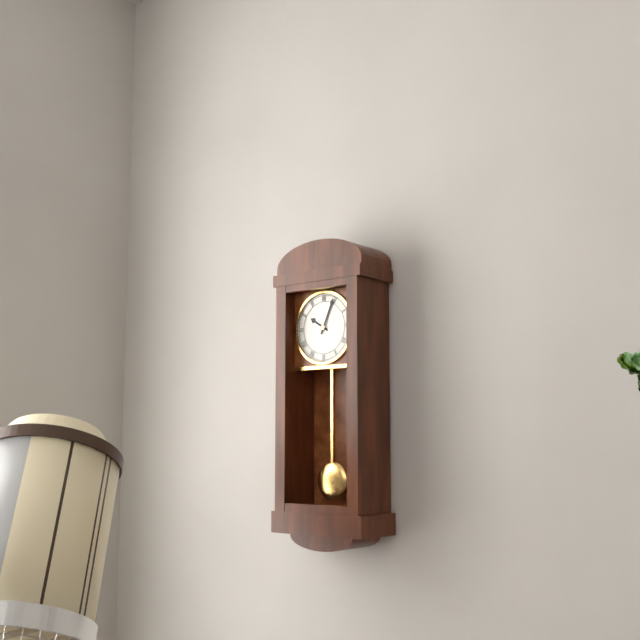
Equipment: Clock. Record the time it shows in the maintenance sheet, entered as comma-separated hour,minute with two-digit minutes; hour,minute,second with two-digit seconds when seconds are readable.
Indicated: 10,04
